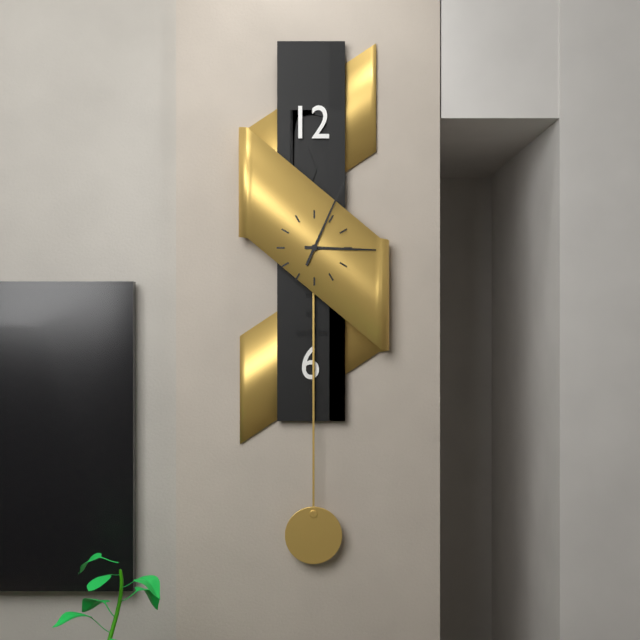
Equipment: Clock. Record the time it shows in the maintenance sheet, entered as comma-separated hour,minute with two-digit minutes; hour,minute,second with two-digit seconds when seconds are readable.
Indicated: 3,04
